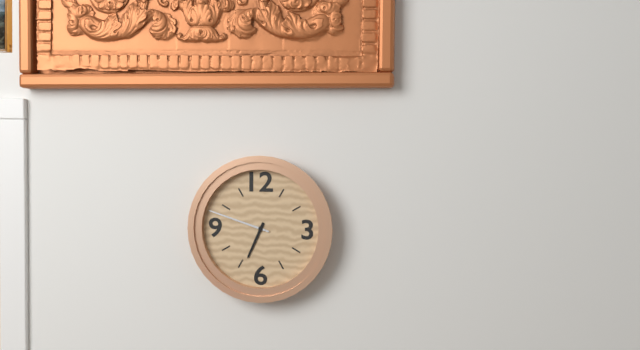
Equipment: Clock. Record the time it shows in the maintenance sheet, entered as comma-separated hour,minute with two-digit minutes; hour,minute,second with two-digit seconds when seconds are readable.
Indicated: 6,48
